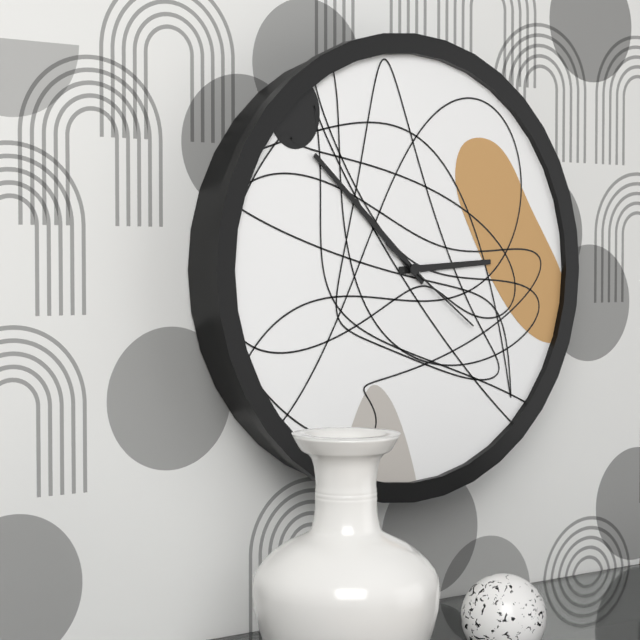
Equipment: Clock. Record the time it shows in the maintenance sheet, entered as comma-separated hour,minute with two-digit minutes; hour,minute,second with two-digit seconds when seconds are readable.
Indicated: 2,52,21
